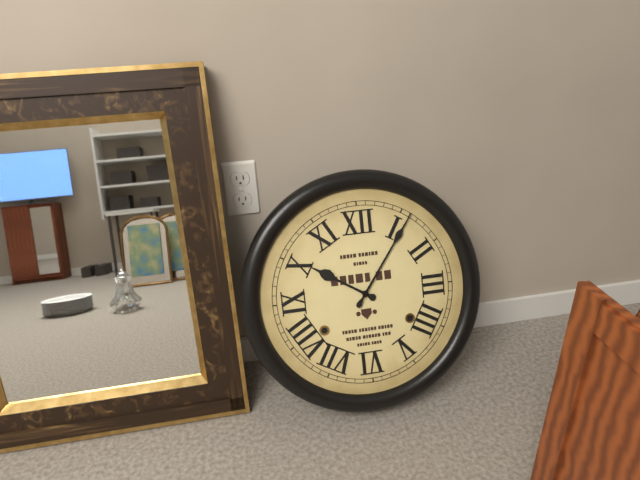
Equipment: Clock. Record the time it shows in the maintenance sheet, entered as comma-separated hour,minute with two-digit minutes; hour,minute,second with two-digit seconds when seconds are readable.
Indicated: 10,06
